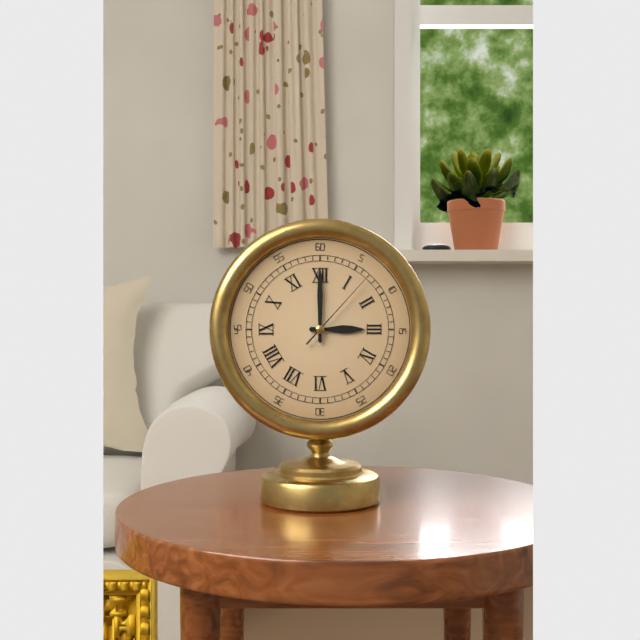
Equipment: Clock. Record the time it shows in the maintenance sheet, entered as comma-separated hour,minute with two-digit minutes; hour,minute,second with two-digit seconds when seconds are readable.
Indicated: 3,00,07
